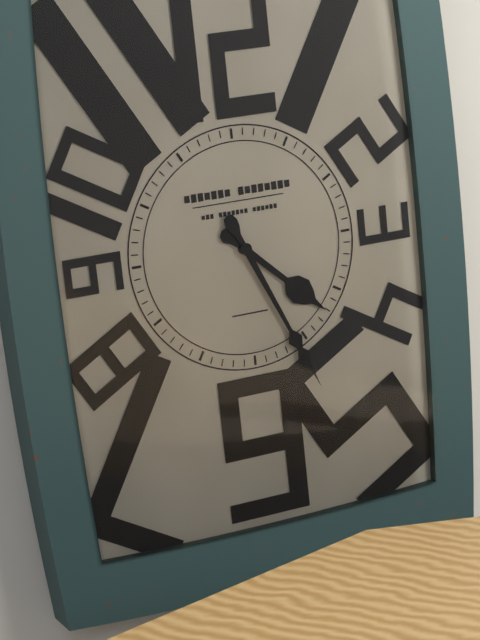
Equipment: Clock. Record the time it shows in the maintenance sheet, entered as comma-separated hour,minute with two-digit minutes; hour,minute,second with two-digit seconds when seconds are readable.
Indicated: 4,26
